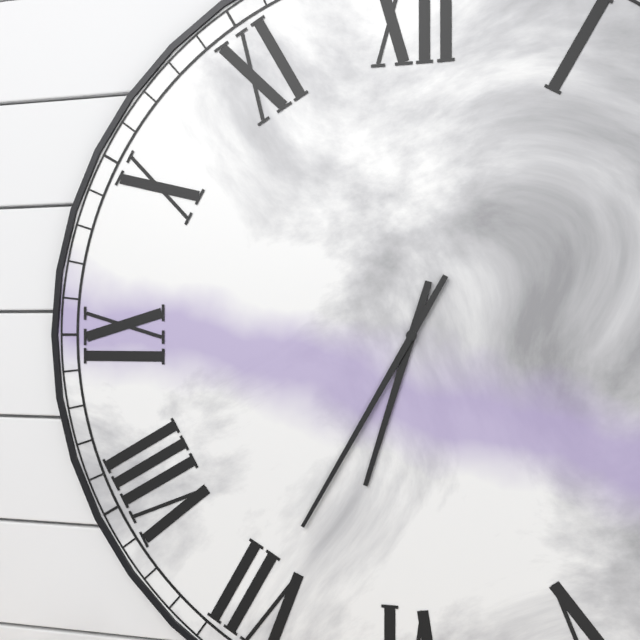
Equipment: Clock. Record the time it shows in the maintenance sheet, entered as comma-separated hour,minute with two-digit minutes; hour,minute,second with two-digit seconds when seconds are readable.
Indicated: 6,35
